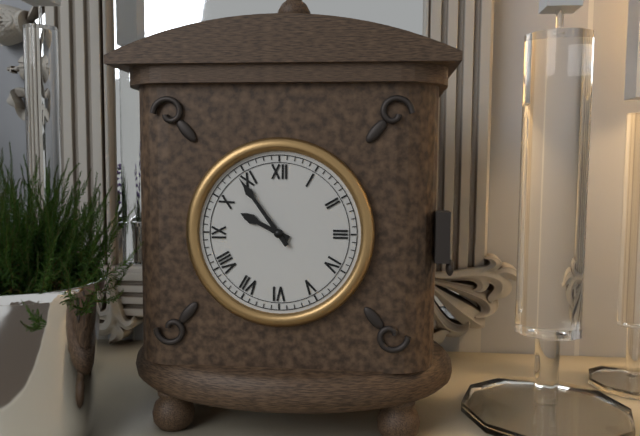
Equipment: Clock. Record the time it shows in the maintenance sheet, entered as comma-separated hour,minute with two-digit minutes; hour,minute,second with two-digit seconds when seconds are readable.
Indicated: 9,54
